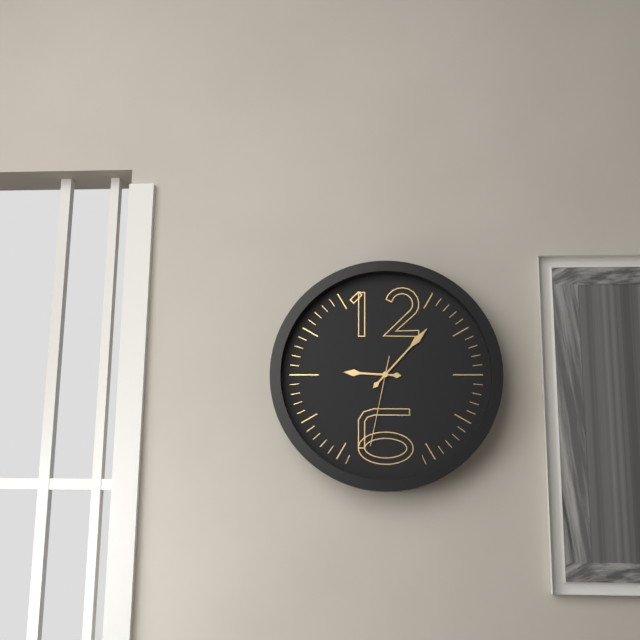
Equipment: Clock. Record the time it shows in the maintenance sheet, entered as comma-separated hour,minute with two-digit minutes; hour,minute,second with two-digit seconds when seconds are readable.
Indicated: 9,07,32
